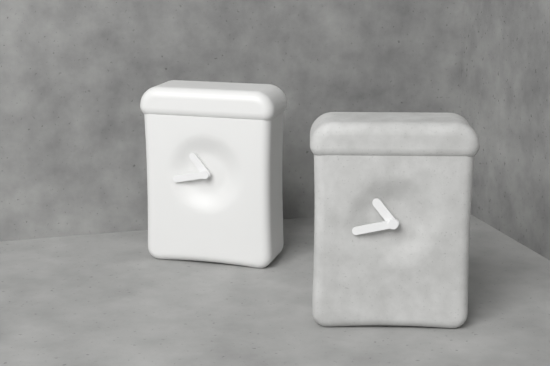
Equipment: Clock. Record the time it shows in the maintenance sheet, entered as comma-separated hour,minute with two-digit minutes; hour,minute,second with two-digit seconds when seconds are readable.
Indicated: 10,43
